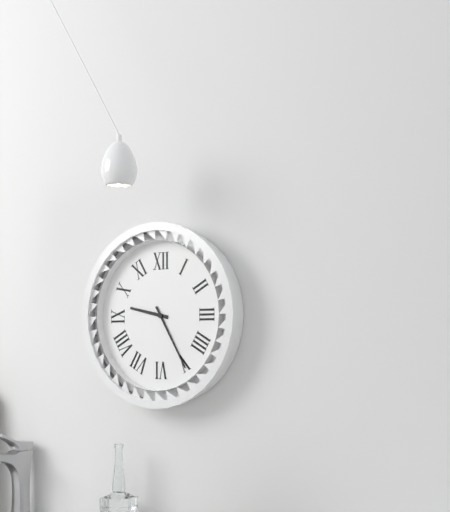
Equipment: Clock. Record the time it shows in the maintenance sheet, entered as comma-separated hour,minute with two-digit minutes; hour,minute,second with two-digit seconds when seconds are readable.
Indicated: 9,25
